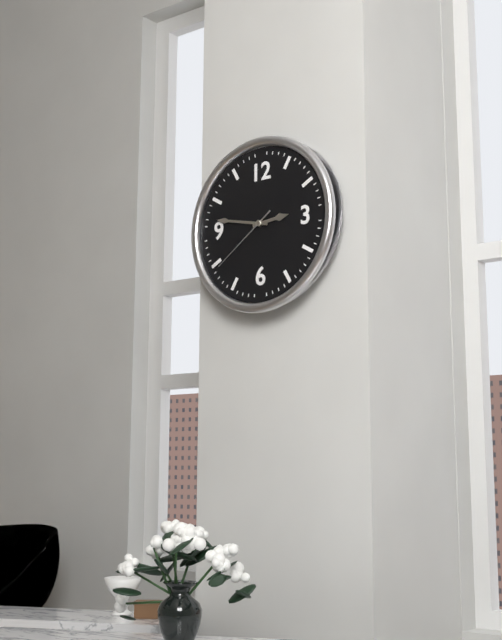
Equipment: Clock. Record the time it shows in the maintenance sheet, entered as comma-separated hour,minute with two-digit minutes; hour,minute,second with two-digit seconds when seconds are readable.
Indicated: 2,47,39
